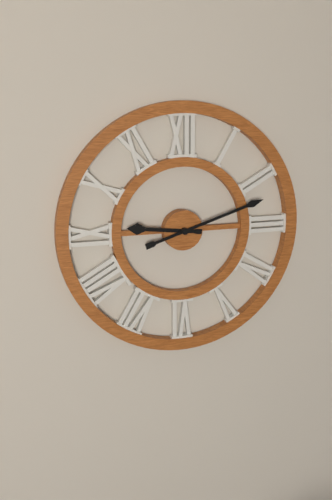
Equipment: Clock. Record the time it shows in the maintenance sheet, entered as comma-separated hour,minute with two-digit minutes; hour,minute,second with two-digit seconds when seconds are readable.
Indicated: 9,12
